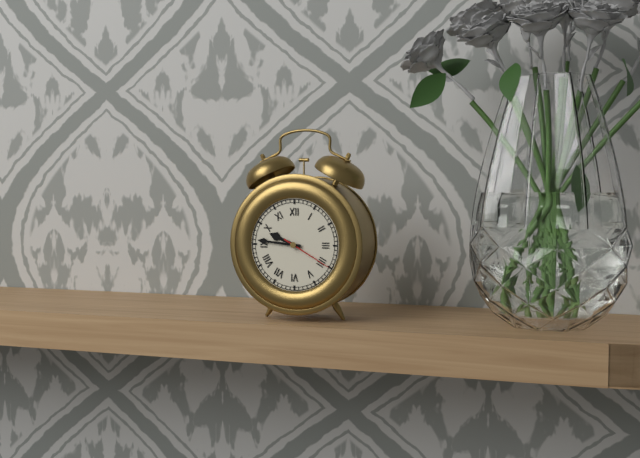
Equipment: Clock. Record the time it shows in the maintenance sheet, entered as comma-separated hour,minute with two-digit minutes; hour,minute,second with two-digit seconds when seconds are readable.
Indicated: 9,46,20
